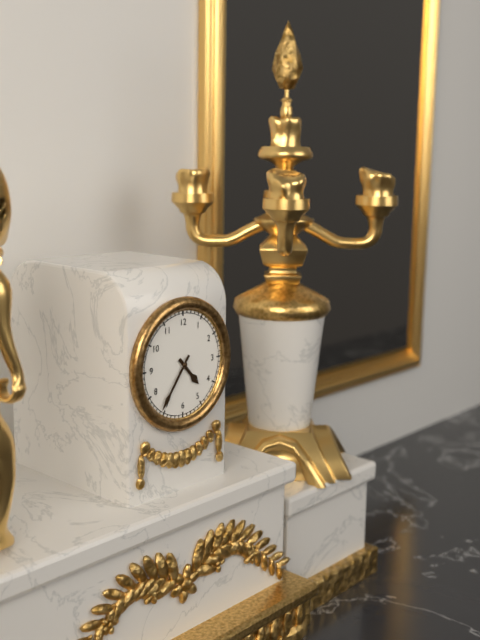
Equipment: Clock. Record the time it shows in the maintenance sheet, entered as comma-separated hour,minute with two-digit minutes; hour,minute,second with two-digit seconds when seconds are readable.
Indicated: 4,36
